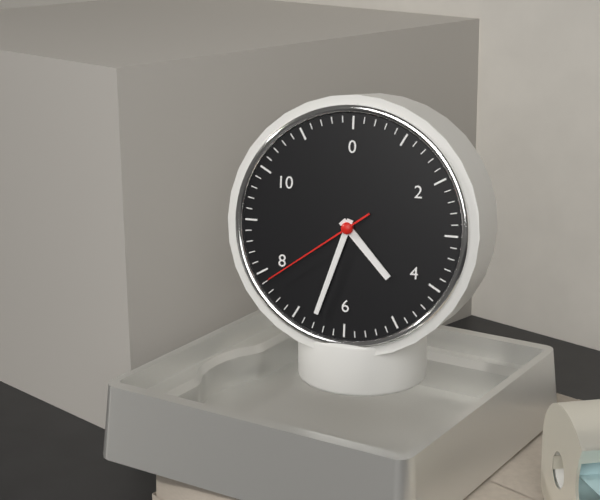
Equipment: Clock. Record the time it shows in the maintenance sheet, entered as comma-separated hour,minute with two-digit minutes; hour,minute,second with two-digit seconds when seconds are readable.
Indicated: 4,33,39
